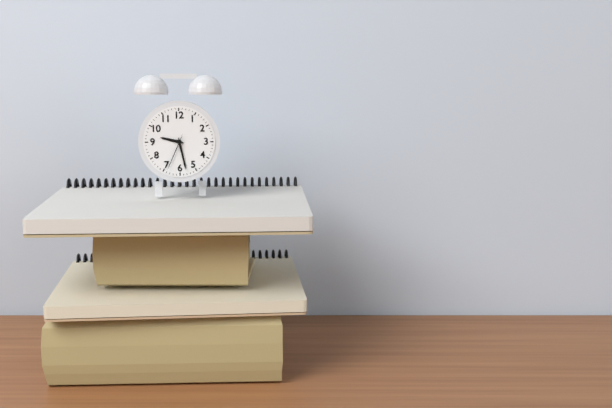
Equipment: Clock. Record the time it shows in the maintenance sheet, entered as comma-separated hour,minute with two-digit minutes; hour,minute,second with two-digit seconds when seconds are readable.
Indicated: 9,28
